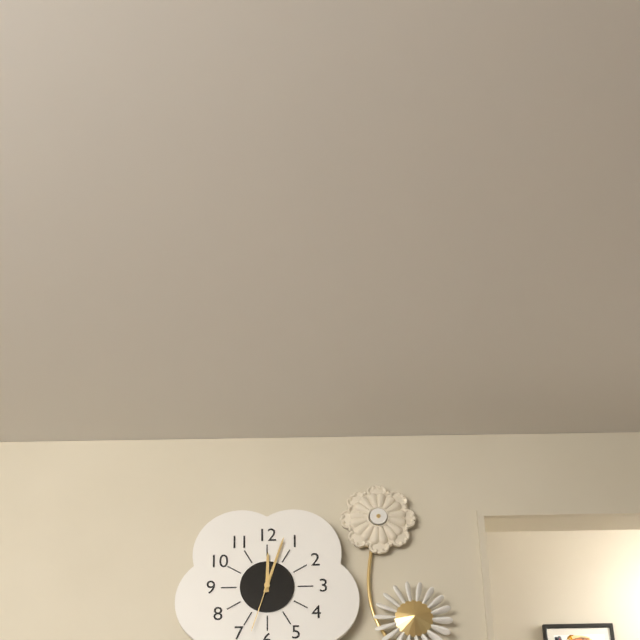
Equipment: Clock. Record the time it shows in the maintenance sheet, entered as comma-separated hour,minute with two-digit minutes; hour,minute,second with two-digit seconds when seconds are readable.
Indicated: 12,03,33
